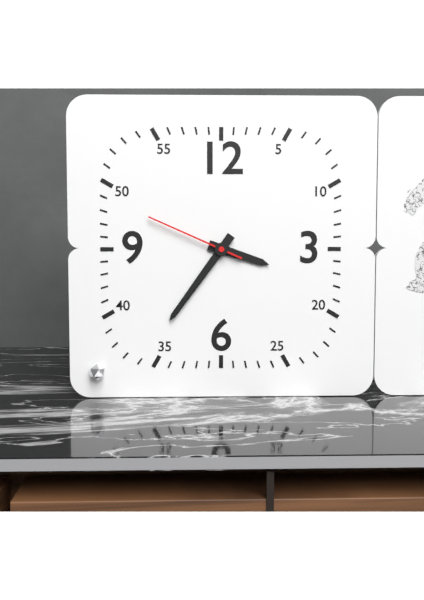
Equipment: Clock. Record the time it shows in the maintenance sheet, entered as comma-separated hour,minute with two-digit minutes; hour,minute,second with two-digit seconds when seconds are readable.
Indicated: 3,36,49
